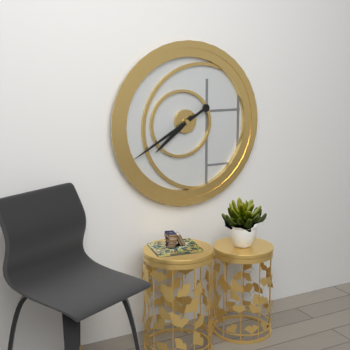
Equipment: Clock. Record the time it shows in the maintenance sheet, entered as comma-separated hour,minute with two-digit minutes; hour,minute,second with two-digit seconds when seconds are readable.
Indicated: 7,40
